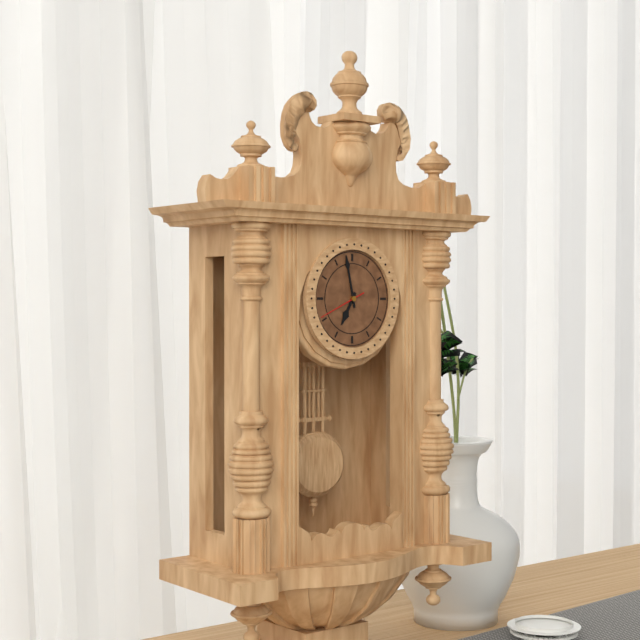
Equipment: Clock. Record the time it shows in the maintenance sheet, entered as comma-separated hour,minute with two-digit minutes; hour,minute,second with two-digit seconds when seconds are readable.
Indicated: 6,58
